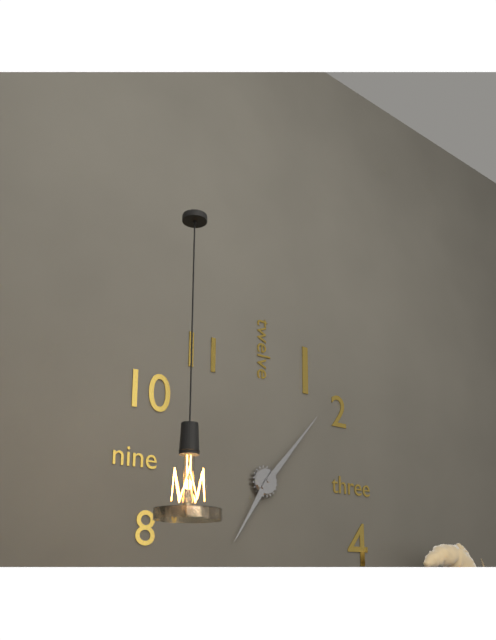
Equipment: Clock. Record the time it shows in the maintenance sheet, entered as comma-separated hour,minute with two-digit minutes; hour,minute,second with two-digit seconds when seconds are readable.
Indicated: 7,07
